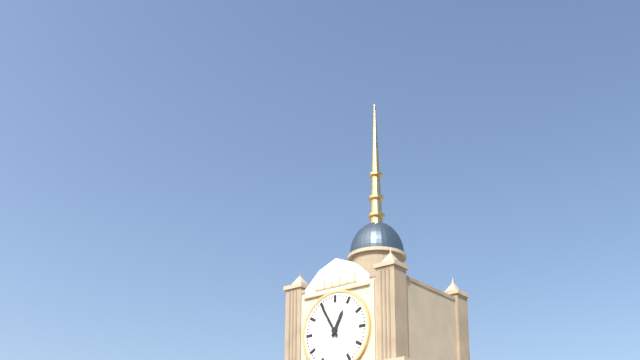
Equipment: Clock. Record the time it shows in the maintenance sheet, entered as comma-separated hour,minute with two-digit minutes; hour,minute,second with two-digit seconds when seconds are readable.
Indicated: 12,55
